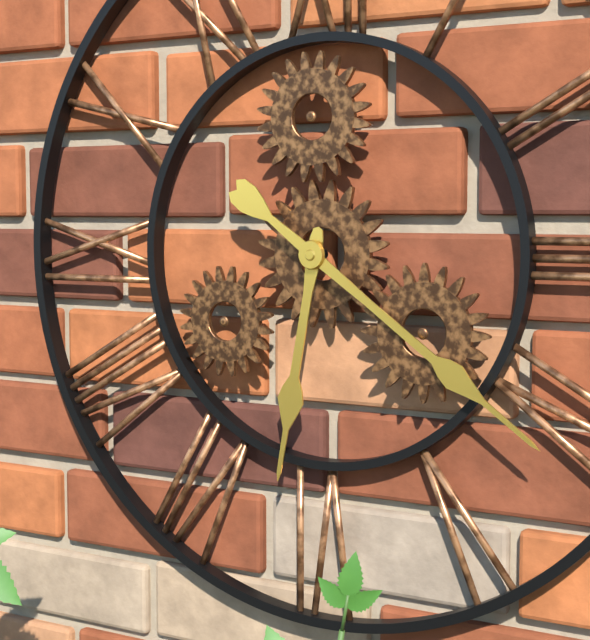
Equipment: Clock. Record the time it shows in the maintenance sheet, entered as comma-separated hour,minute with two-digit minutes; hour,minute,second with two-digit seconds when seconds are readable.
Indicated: 6,21
